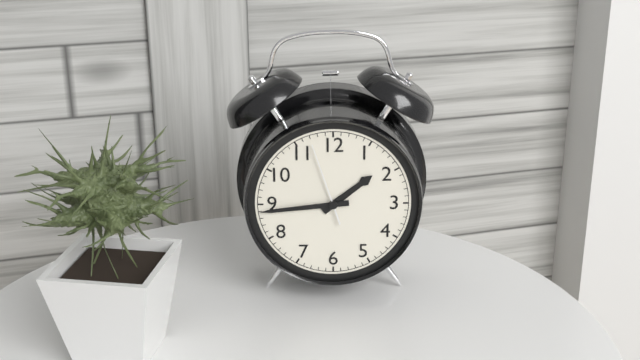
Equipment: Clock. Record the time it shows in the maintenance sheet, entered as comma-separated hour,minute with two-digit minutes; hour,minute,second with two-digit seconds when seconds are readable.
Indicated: 1,44,57
